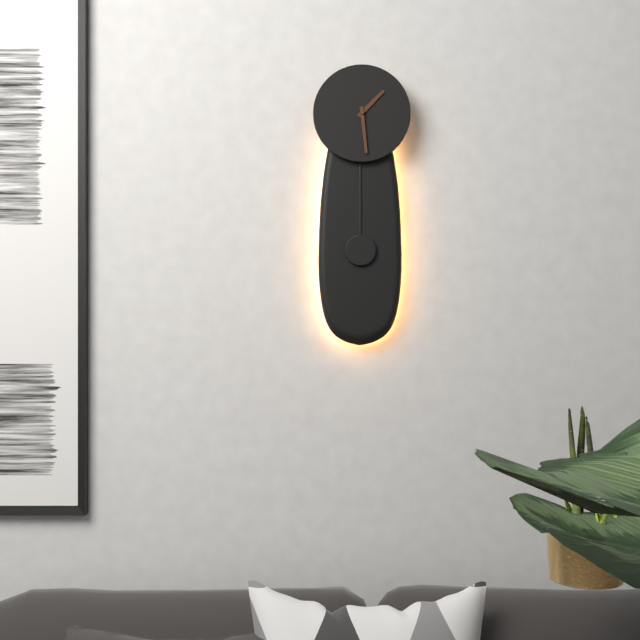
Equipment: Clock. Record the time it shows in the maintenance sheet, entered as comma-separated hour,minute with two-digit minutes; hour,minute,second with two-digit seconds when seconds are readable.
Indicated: 1,29
